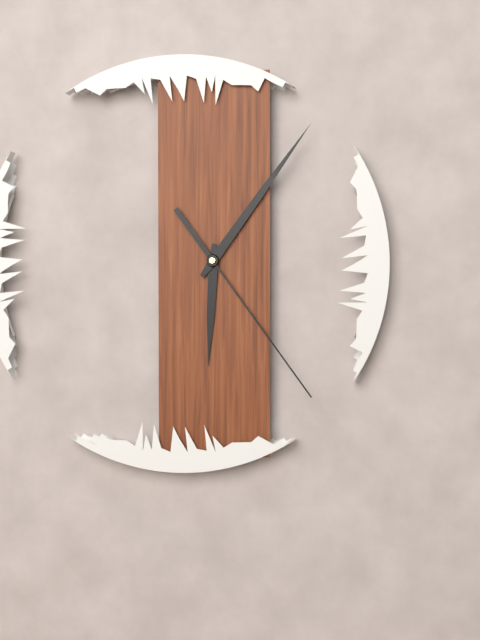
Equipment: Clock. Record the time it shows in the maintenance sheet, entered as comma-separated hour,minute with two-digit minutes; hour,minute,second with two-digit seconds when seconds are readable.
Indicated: 6,06,24
